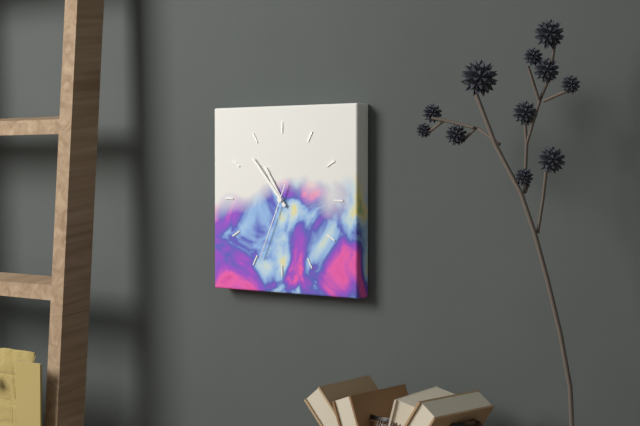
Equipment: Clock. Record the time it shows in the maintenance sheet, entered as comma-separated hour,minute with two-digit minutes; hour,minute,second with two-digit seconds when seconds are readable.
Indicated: 10,53,34
